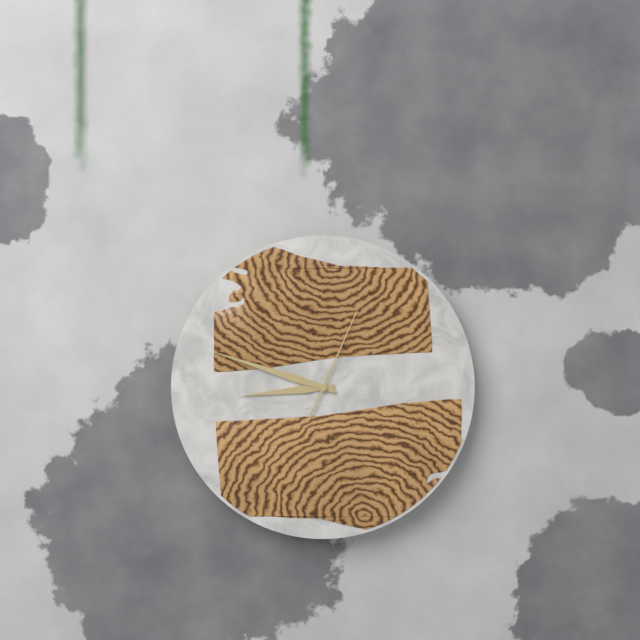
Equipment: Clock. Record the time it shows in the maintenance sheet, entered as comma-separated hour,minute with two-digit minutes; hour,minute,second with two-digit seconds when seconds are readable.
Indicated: 8,48,04
